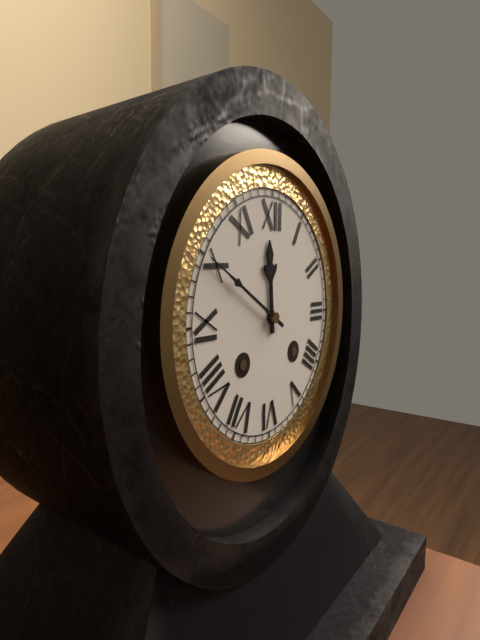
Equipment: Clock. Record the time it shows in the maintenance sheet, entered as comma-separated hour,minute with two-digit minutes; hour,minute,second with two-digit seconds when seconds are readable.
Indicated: 11,50
